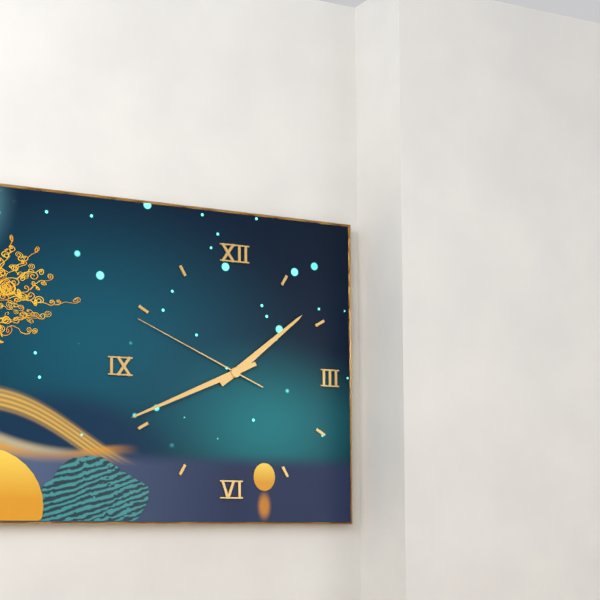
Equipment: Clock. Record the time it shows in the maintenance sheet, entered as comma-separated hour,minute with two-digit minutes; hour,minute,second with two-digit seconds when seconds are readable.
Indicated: 1,41,49
